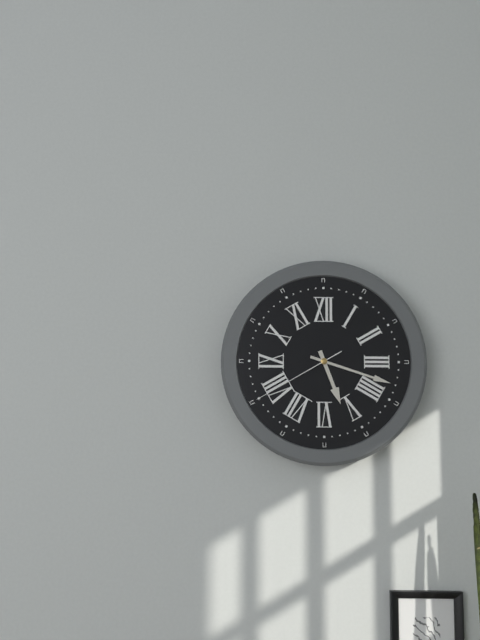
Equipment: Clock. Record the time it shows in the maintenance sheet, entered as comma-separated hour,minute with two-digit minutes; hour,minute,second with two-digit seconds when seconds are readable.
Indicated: 5,18,40
